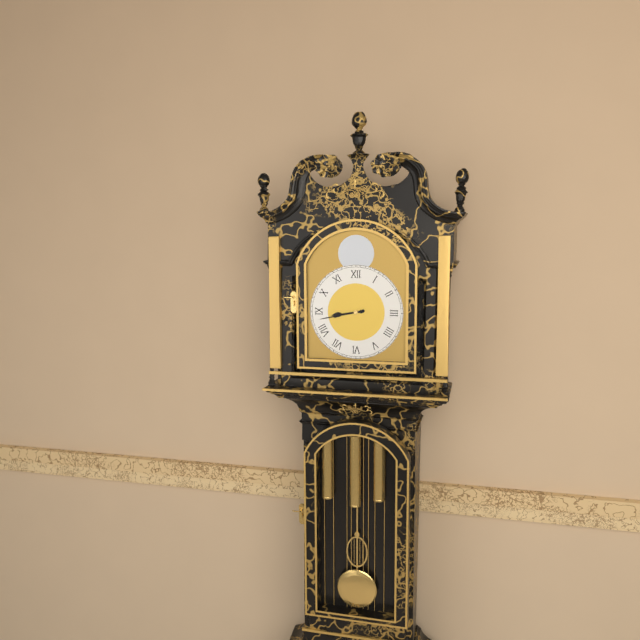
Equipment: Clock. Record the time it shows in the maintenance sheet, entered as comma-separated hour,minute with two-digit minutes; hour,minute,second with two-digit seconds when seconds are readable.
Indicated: 8,43
